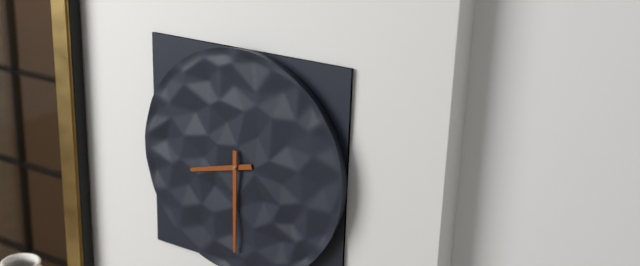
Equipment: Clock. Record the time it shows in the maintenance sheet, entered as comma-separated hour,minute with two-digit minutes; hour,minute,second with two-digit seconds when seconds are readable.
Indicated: 8,30
